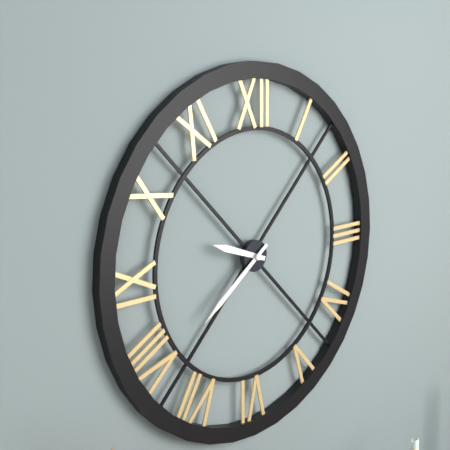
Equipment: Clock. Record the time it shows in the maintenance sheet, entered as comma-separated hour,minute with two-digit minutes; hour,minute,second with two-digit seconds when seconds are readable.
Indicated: 9,39
